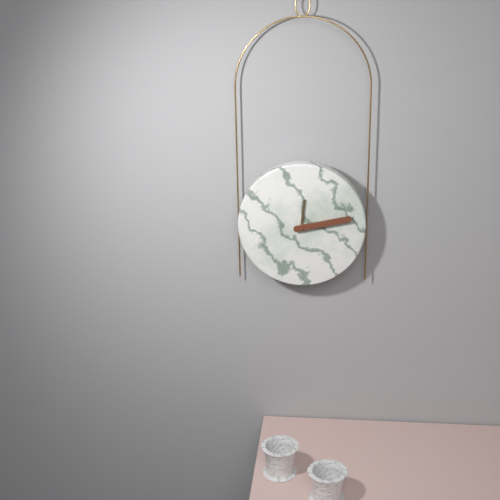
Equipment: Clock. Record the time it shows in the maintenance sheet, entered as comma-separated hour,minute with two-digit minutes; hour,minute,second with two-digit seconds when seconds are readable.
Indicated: 12,13
